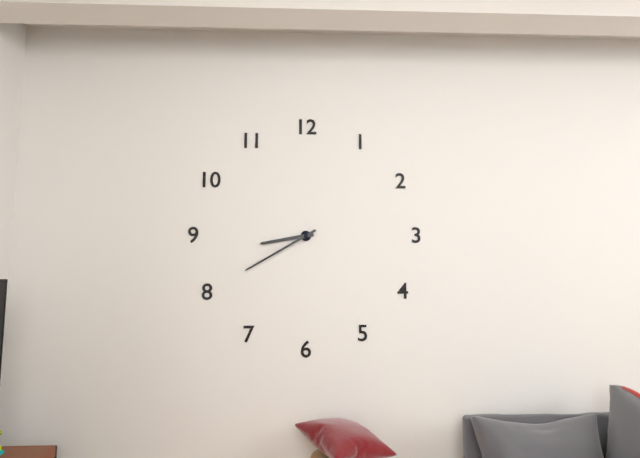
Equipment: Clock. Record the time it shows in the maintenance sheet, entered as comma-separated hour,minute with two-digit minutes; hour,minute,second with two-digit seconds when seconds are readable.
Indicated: 8,40
